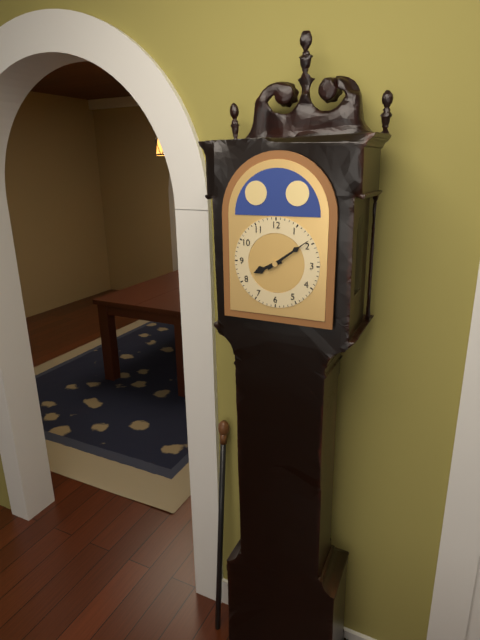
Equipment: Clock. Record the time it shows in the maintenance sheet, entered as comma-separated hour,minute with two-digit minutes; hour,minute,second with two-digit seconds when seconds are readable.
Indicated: 8,09
